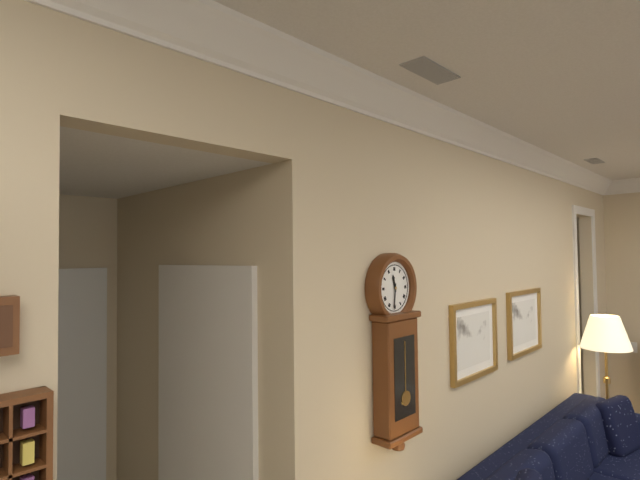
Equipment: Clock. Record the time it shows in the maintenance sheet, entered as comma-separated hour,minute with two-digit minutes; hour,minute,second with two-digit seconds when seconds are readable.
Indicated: 11,31
